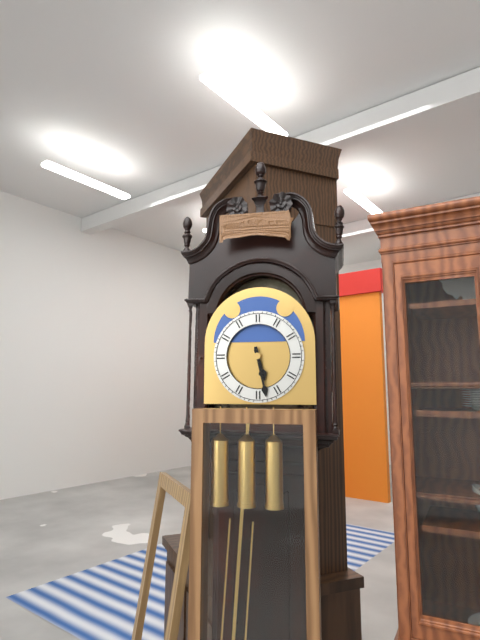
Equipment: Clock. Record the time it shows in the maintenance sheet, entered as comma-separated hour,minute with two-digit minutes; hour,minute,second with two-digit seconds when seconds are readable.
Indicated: 5,28
